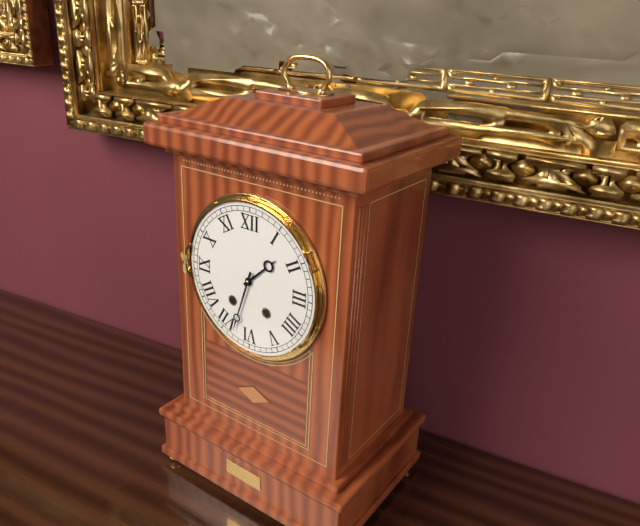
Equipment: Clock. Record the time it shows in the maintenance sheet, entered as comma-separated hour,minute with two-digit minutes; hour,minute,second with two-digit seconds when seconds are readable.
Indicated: 1,33
